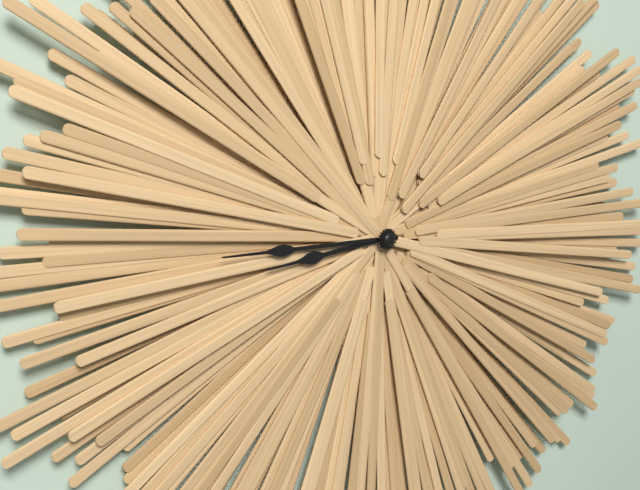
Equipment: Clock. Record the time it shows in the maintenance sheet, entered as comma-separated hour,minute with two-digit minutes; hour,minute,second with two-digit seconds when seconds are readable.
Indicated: 8,45
